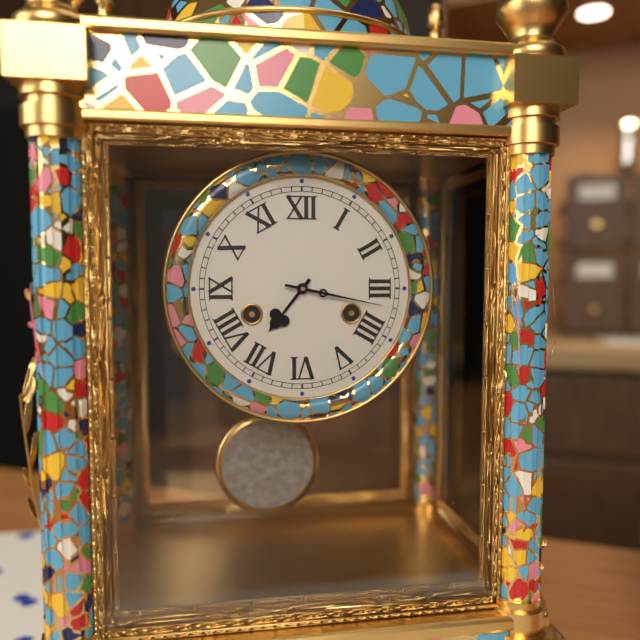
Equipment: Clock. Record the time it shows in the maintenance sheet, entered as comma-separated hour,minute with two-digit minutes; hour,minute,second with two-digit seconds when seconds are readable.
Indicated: 7,17
